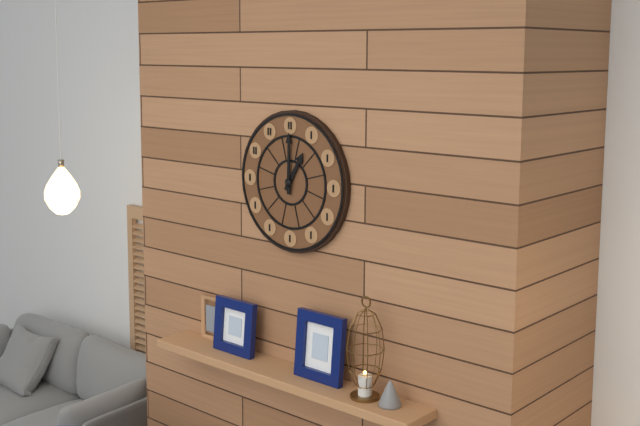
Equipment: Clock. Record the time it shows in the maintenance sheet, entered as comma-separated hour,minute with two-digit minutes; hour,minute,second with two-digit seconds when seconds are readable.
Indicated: 1,00
